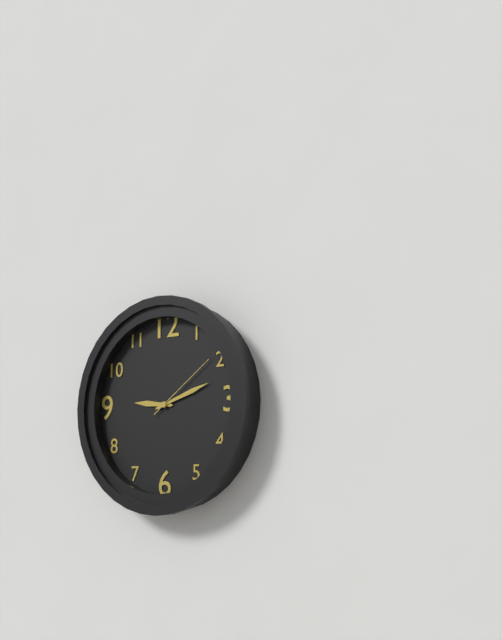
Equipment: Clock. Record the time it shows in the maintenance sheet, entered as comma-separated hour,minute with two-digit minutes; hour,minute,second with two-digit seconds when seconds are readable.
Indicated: 9,12,09
